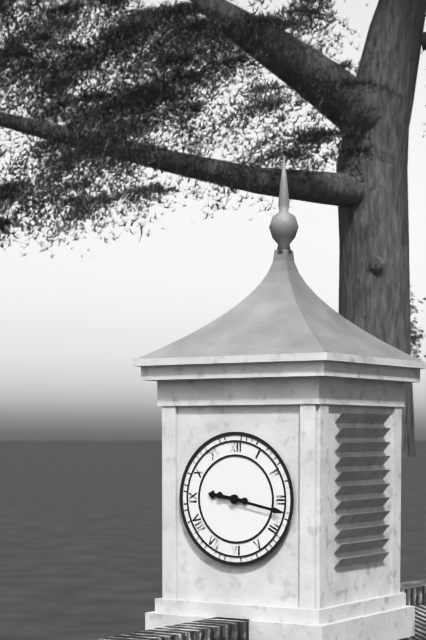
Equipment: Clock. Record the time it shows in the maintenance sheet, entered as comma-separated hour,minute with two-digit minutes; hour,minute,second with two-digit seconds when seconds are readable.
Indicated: 9,17
